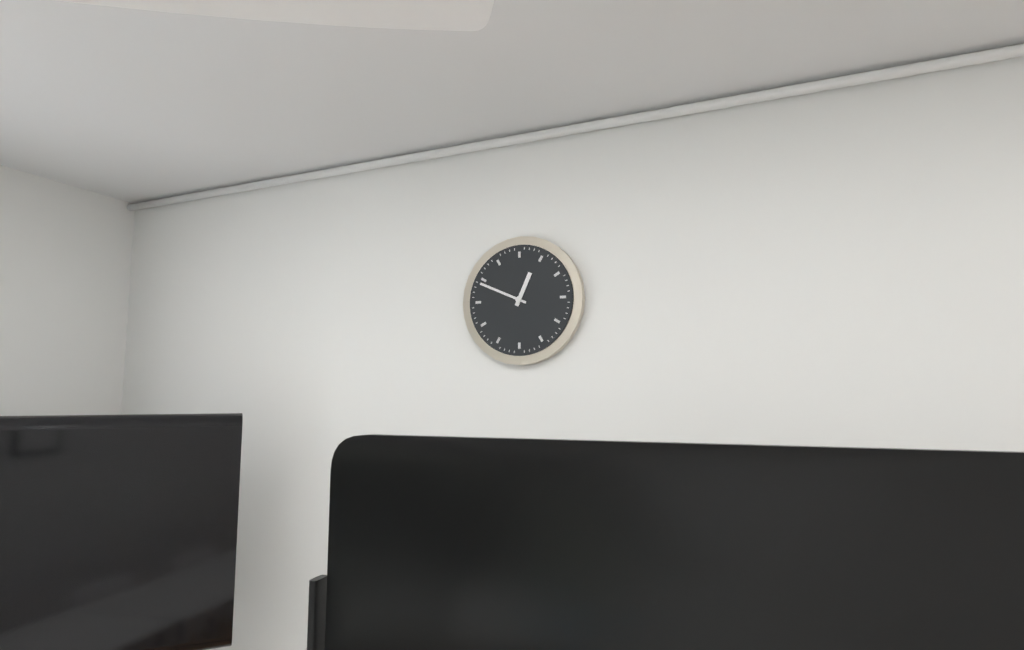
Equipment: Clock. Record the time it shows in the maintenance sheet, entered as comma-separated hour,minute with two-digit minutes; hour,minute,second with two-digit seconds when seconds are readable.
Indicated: 12,49
